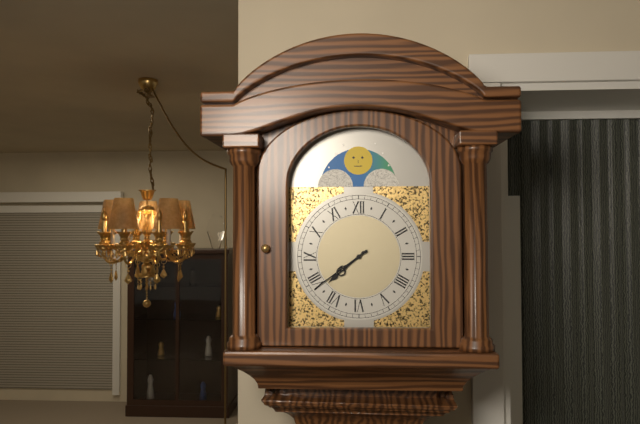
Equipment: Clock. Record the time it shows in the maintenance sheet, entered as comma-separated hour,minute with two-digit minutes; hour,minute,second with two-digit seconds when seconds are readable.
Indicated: 7,39
